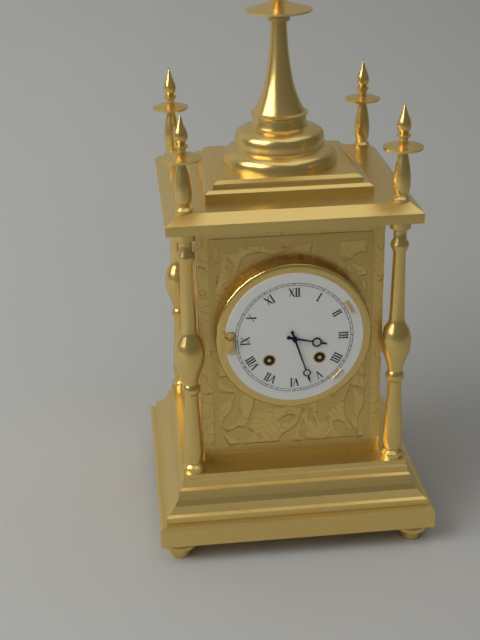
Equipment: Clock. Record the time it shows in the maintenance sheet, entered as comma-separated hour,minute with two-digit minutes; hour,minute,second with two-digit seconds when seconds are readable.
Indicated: 3,27
